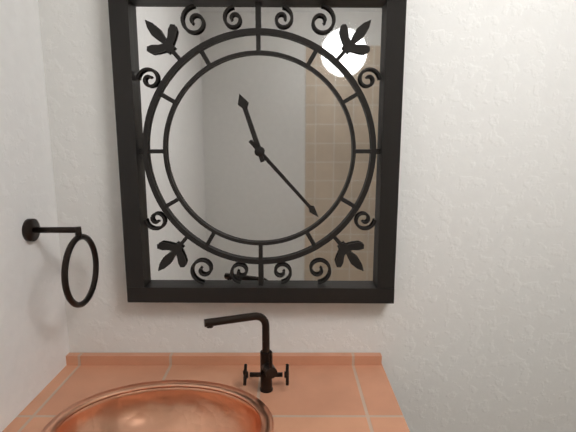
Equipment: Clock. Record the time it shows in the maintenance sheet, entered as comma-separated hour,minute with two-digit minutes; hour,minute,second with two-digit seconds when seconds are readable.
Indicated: 11,23
